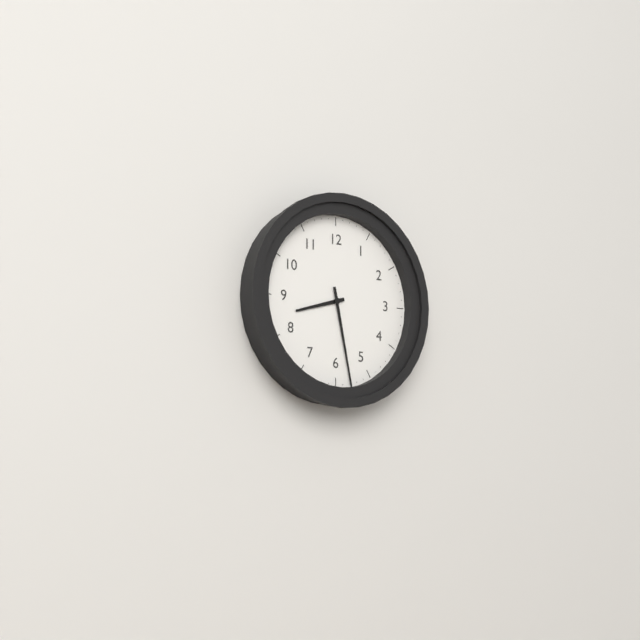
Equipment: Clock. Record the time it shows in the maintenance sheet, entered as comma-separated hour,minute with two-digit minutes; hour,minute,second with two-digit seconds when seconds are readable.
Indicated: 8,28
